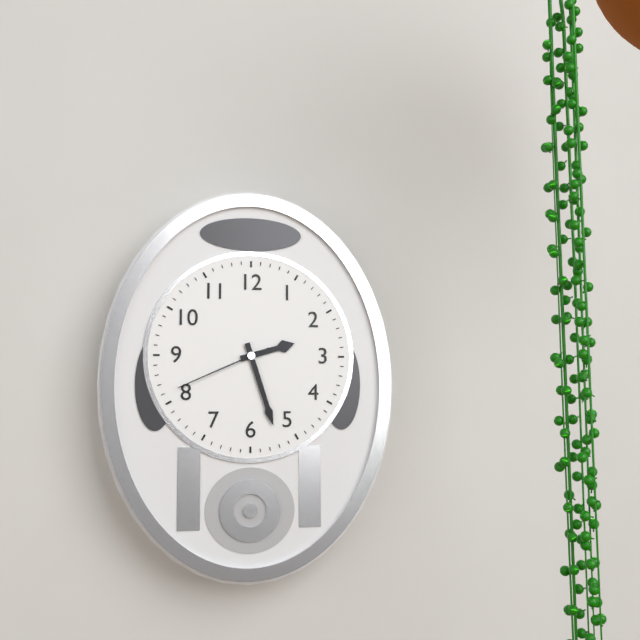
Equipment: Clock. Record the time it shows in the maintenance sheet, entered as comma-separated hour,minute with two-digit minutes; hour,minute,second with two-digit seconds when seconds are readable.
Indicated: 2,27,41
